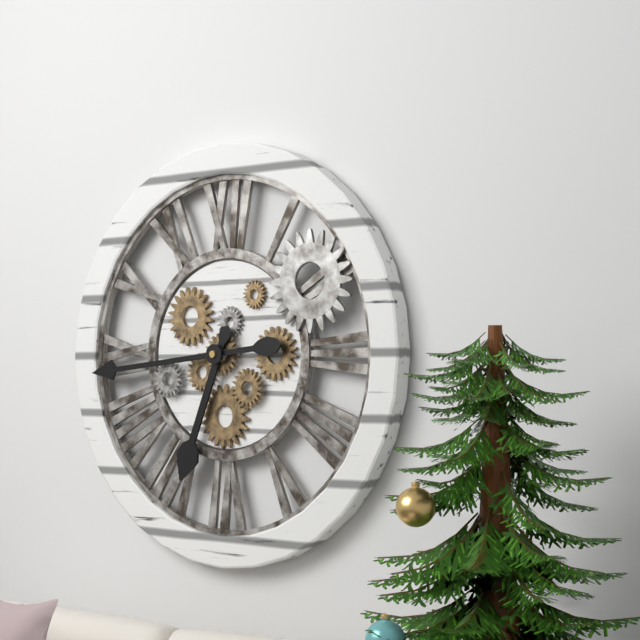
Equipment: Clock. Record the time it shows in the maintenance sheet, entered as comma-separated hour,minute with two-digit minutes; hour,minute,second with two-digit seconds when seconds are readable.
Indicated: 6,44
